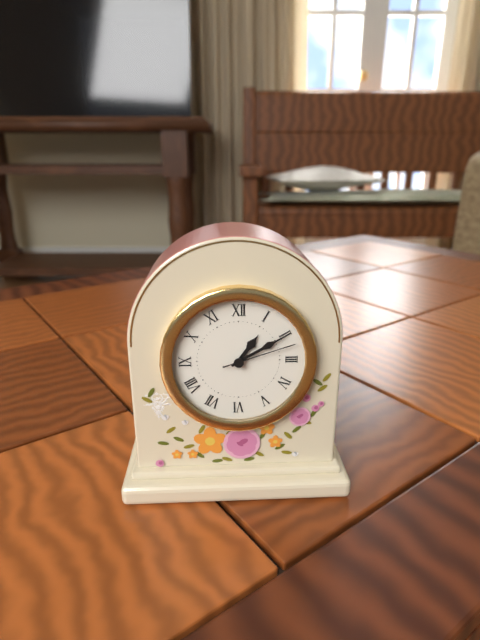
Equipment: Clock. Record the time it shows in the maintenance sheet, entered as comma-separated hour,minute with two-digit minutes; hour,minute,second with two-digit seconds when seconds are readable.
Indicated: 1,10,12
